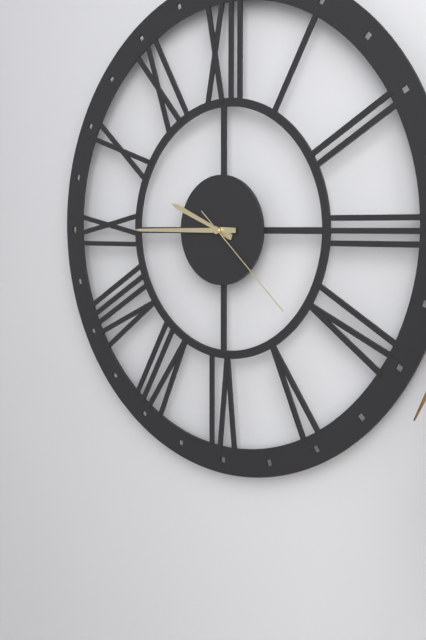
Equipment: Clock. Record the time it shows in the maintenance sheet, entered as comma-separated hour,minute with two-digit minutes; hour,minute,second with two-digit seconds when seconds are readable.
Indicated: 9,45,22
